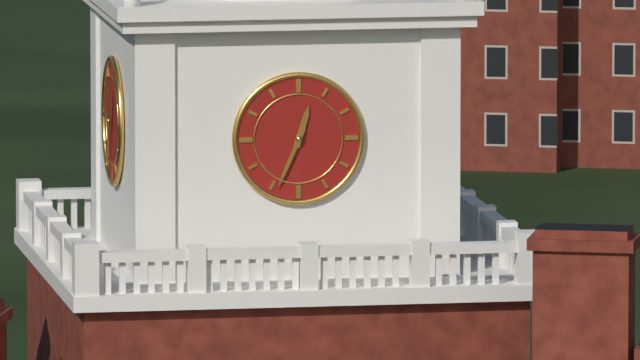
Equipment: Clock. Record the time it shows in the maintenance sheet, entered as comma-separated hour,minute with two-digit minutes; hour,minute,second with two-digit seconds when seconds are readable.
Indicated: 12,34
